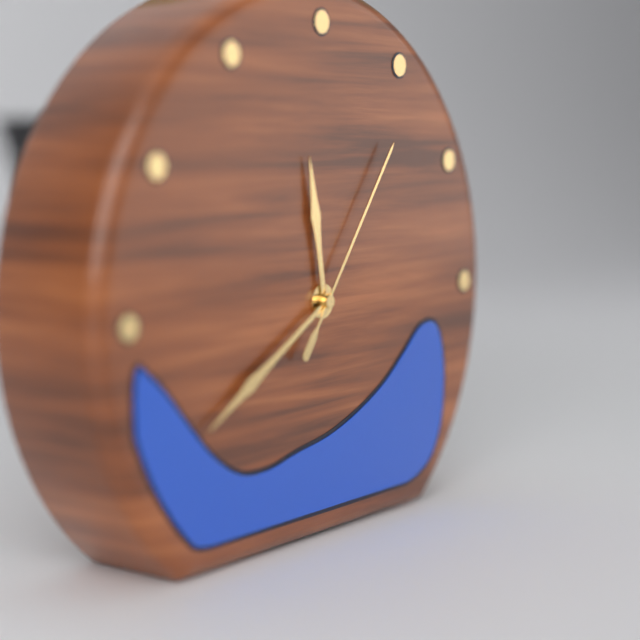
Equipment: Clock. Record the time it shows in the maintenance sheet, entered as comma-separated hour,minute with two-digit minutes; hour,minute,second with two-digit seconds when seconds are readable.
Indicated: 11,40,06
